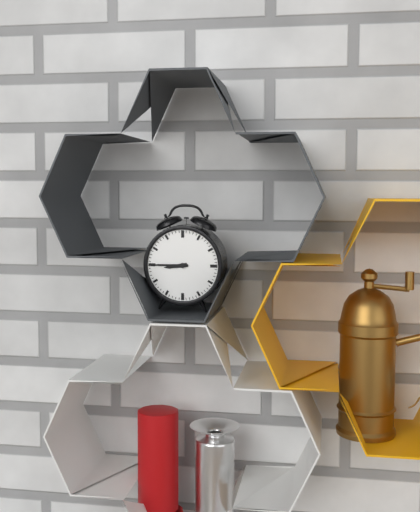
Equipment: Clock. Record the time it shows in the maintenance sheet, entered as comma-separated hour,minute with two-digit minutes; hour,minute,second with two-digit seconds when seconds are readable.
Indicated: 8,45
